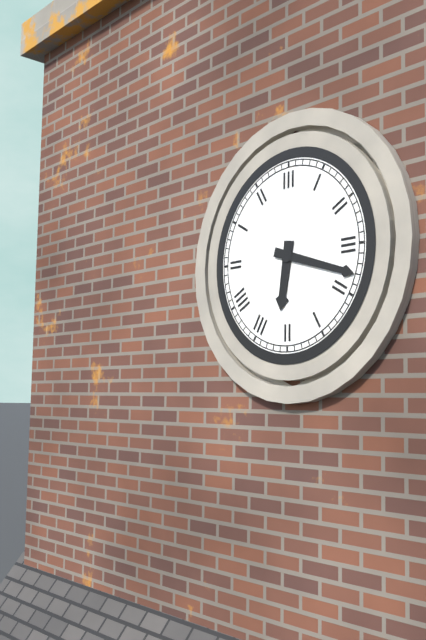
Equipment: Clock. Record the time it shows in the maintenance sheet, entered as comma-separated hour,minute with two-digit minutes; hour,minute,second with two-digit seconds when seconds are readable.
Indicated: 6,18
